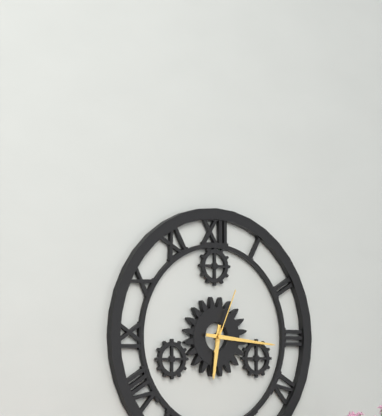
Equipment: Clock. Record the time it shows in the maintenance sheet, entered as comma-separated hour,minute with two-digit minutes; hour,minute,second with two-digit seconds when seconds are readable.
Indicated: 6,16,04
